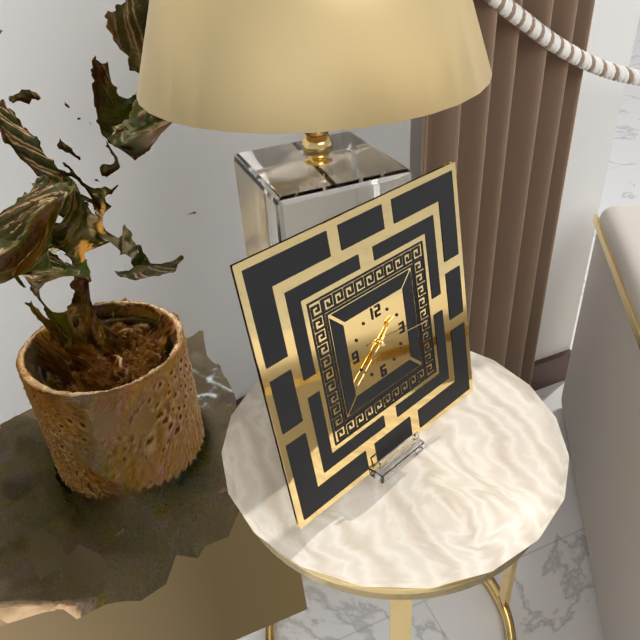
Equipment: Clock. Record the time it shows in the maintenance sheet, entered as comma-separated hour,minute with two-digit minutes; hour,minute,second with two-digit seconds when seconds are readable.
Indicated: 1,39,16
